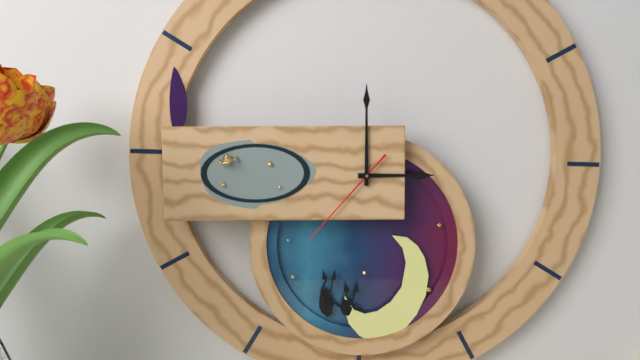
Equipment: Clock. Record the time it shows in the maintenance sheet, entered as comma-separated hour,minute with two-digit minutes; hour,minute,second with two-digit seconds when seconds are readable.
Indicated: 3,00,37
